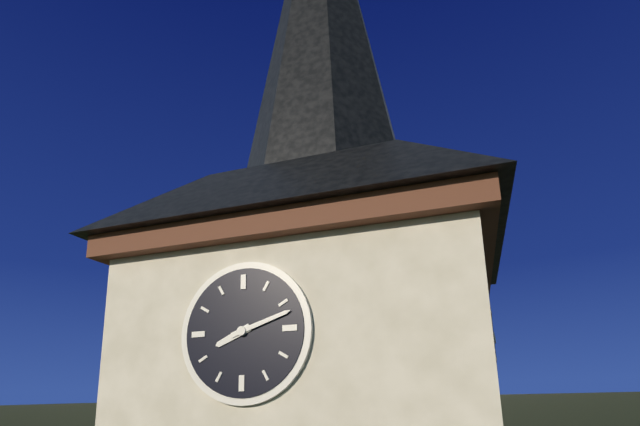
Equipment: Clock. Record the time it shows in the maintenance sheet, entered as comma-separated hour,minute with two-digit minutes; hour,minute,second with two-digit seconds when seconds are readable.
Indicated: 8,12
